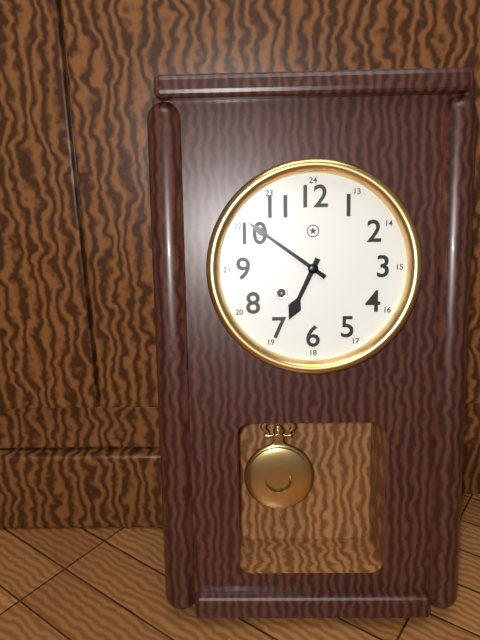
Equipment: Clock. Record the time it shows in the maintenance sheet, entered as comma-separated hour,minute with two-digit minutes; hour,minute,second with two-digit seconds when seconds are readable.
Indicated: 6,51
